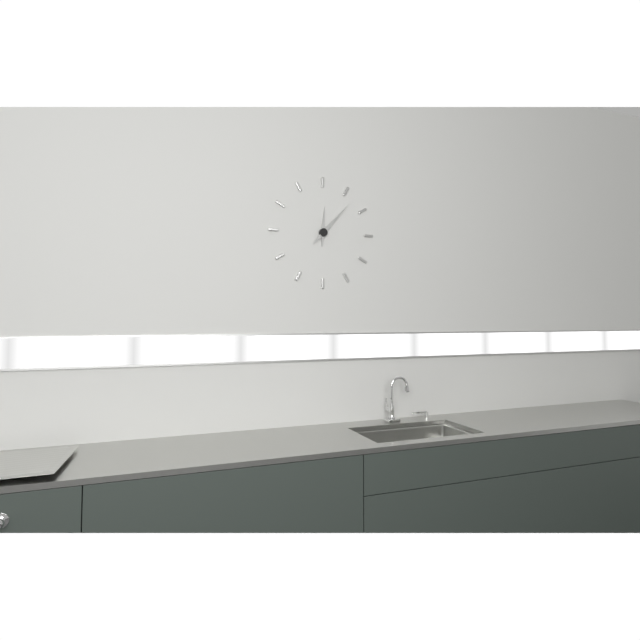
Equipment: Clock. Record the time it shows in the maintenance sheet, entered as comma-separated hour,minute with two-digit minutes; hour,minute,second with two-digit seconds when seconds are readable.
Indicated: 12,07
